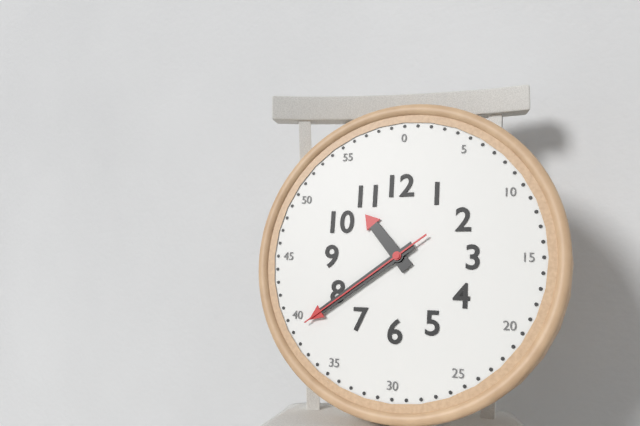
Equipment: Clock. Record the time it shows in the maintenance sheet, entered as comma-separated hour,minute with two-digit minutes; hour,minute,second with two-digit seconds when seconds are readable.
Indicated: 10,39,39
